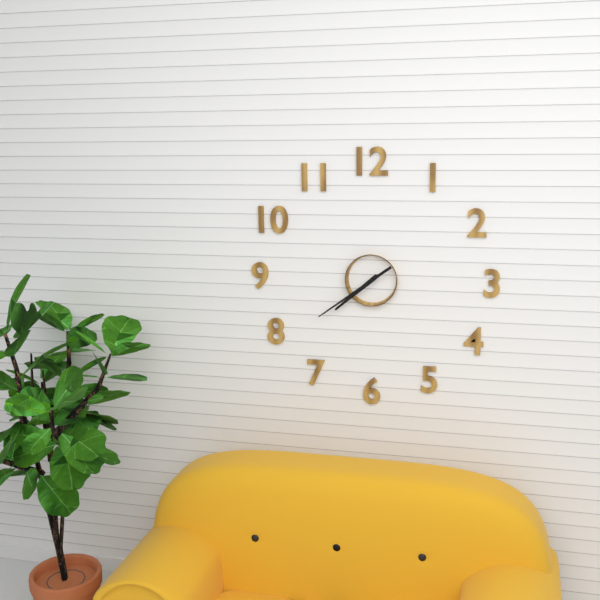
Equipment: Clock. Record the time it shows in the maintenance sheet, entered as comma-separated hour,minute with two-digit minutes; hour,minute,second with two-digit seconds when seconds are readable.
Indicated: 7,39
